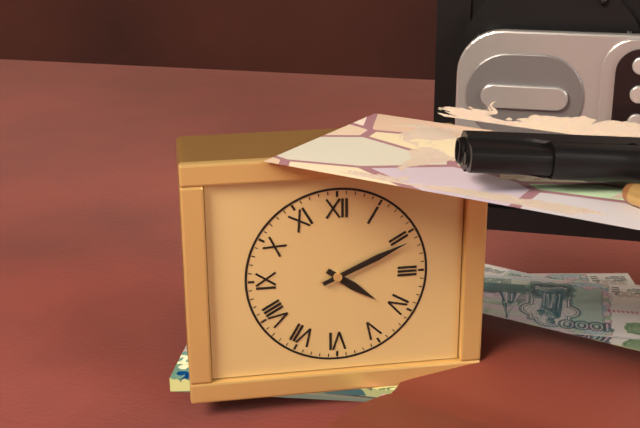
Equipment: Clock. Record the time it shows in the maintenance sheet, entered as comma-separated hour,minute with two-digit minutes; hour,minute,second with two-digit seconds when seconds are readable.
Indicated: 4,11
